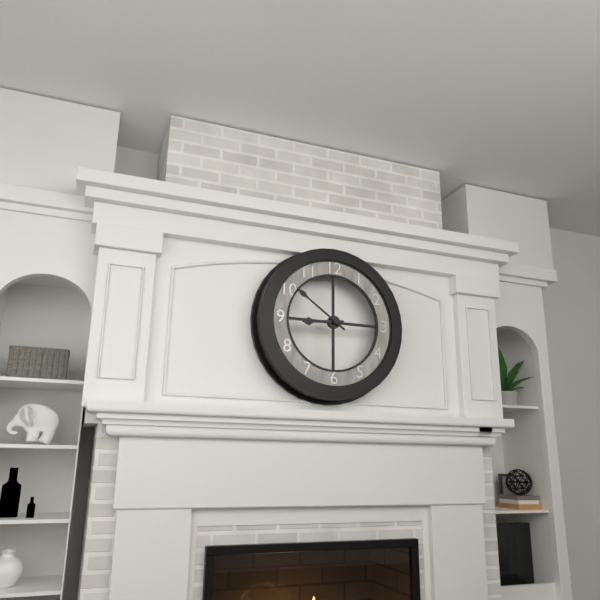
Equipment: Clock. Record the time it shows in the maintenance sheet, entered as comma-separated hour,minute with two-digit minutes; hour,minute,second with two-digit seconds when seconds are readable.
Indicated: 8,51
